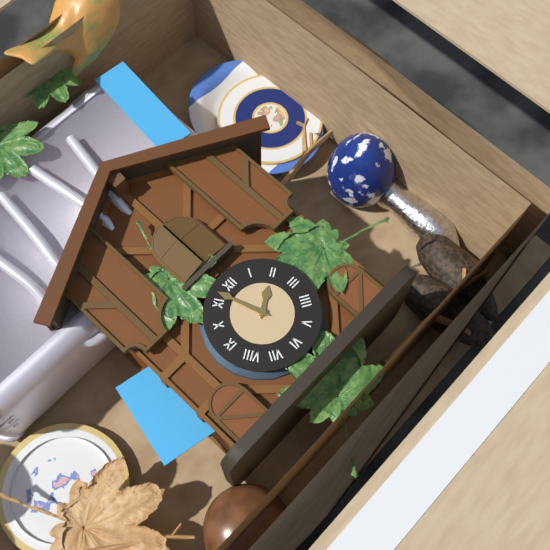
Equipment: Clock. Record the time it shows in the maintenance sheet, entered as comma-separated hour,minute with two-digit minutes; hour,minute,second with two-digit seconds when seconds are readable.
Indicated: 1,57
